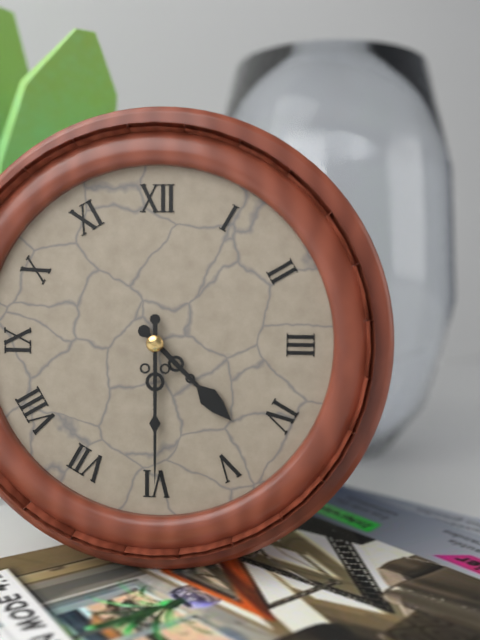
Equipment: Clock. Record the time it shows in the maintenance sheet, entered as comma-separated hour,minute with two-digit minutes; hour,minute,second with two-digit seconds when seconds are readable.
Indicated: 4,30
